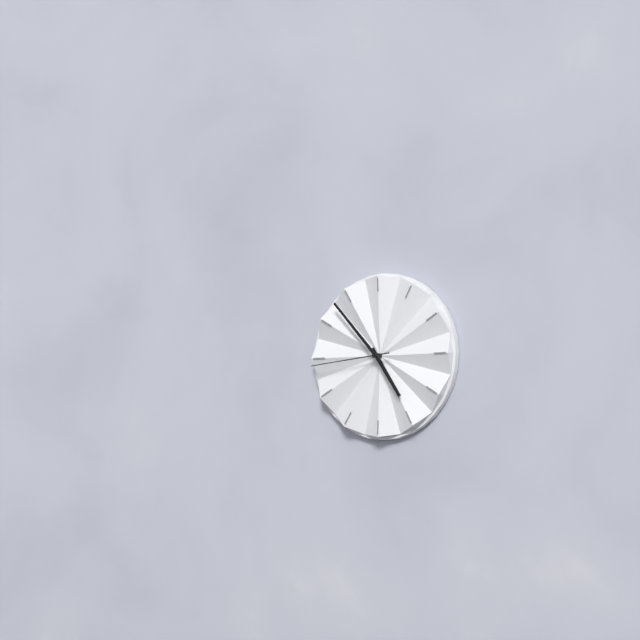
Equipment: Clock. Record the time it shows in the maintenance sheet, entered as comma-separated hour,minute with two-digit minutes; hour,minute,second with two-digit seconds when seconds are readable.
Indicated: 4,53,44
